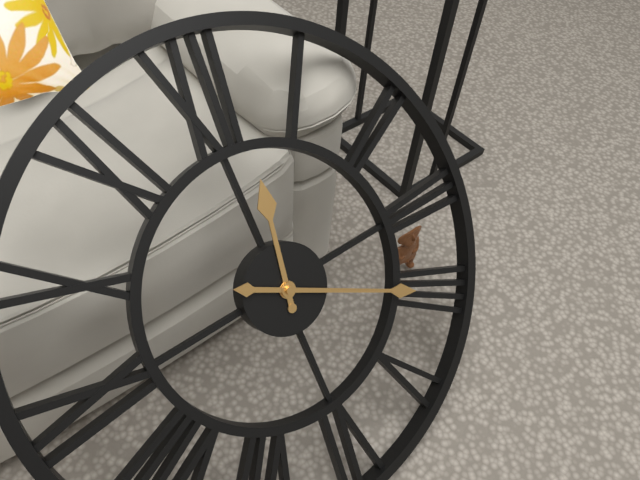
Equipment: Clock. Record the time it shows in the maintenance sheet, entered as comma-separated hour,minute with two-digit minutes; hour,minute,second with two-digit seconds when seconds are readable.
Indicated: 12,20
